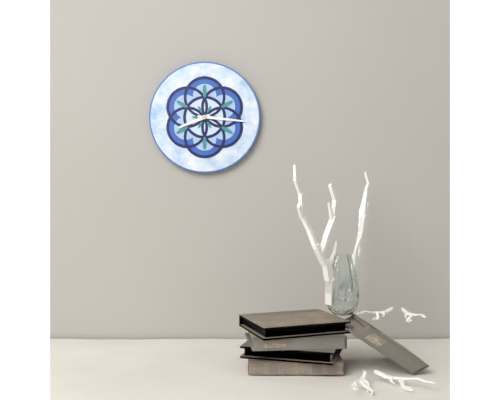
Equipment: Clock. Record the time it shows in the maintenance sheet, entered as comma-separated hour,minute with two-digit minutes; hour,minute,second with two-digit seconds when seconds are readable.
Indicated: 8,16
